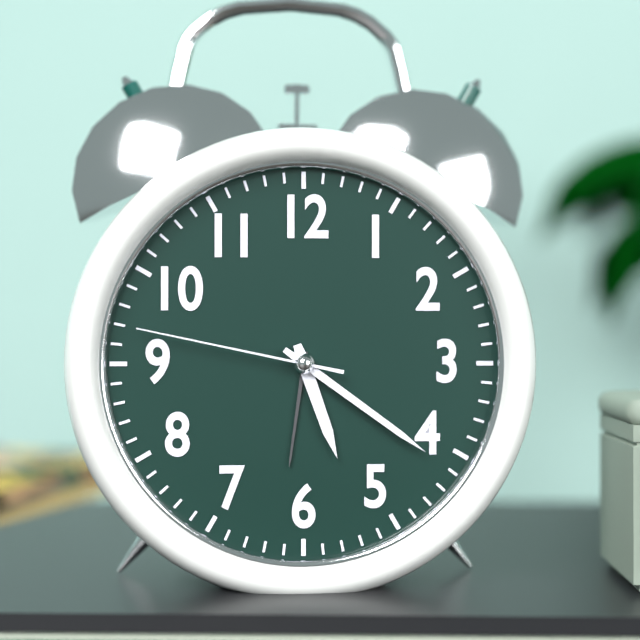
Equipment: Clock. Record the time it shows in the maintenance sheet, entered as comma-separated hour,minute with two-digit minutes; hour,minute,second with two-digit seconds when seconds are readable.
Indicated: 5,21,47
